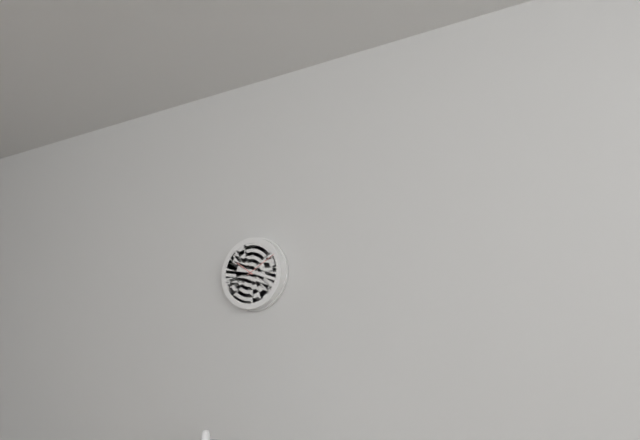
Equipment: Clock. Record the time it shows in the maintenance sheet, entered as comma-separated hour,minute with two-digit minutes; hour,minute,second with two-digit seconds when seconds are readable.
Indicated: 10,10
